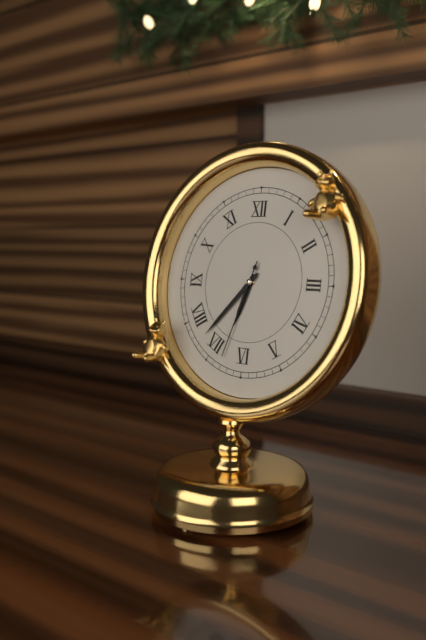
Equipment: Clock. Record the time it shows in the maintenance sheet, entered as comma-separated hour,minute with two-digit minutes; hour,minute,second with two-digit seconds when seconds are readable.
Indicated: 6,37,33
